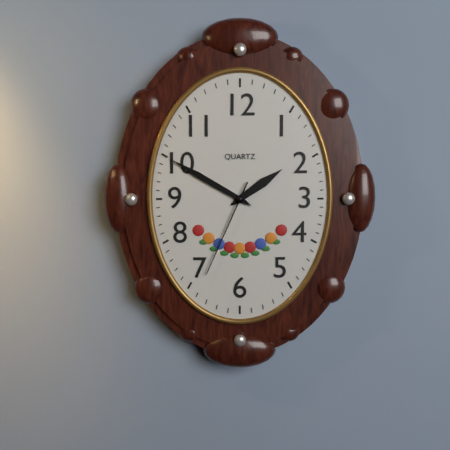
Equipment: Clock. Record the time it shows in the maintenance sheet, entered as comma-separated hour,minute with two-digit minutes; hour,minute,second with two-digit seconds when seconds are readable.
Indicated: 1,50,34
